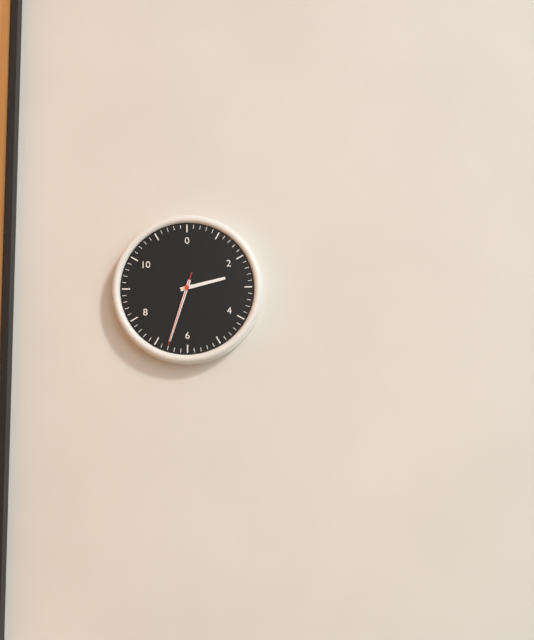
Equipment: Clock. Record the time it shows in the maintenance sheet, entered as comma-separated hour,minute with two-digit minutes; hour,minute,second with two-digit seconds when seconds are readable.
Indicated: 2,33,33
